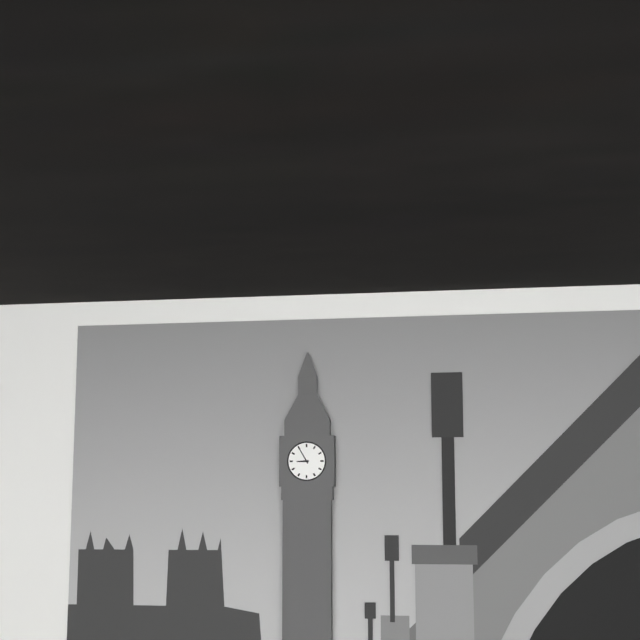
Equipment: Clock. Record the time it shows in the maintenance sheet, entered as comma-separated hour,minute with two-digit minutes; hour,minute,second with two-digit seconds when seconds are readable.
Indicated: 8,55
